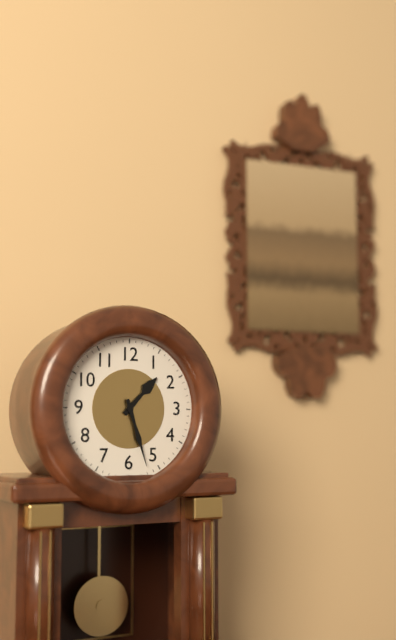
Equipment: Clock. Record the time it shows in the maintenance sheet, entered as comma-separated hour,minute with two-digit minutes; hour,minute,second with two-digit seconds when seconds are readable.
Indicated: 1,27
